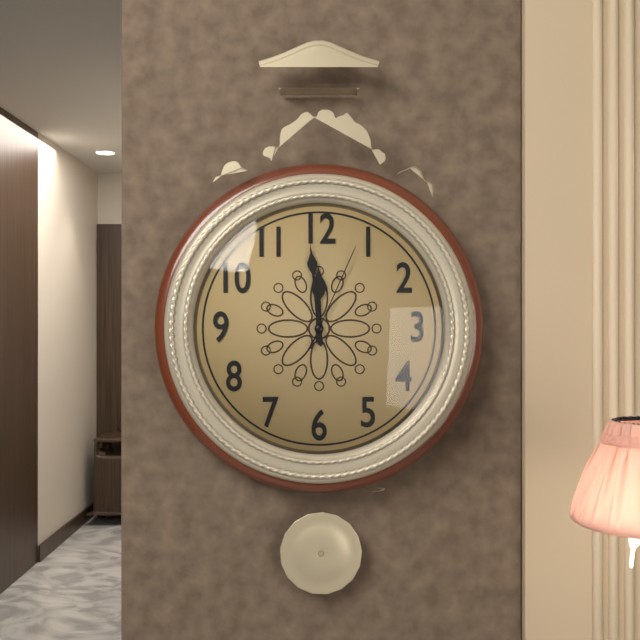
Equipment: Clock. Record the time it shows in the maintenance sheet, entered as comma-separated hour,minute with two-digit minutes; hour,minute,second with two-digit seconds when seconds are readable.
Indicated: 11,59,04
